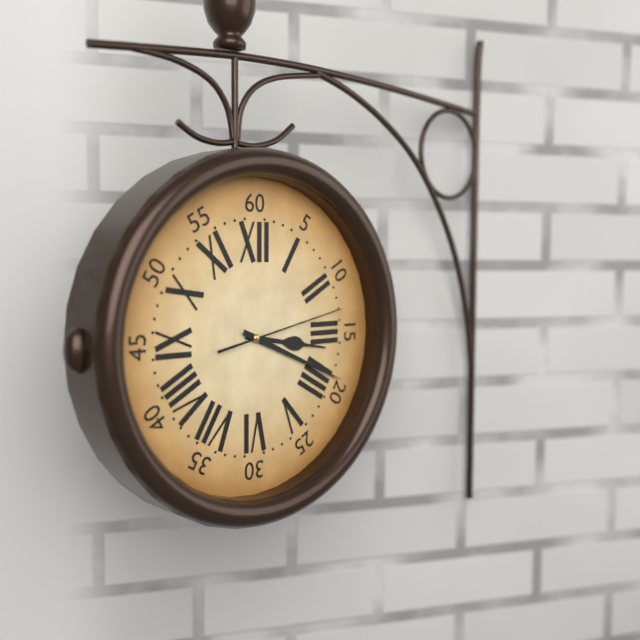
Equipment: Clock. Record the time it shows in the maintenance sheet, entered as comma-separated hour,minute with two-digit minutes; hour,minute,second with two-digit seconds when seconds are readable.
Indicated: 3,19,13
